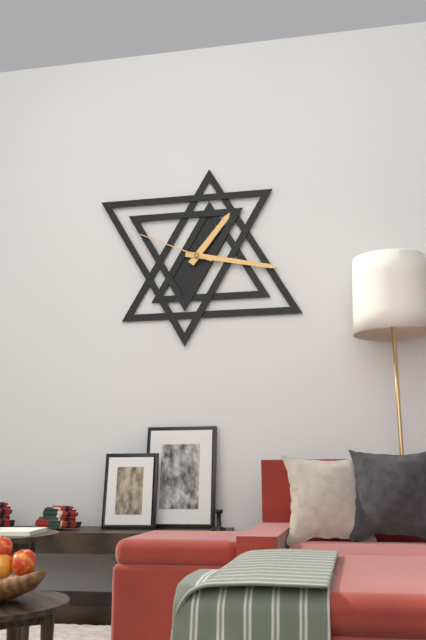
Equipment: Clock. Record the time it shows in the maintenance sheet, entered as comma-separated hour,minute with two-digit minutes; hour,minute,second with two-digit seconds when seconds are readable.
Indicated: 1,17,49
